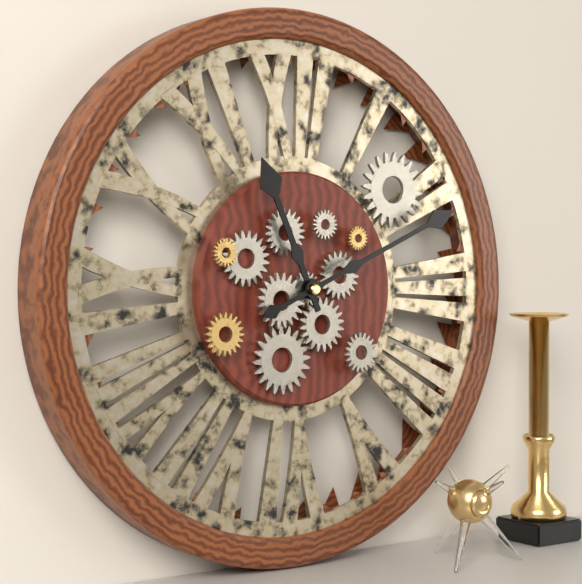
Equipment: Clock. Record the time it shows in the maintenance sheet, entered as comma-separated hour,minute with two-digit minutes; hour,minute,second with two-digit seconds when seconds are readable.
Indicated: 11,11
